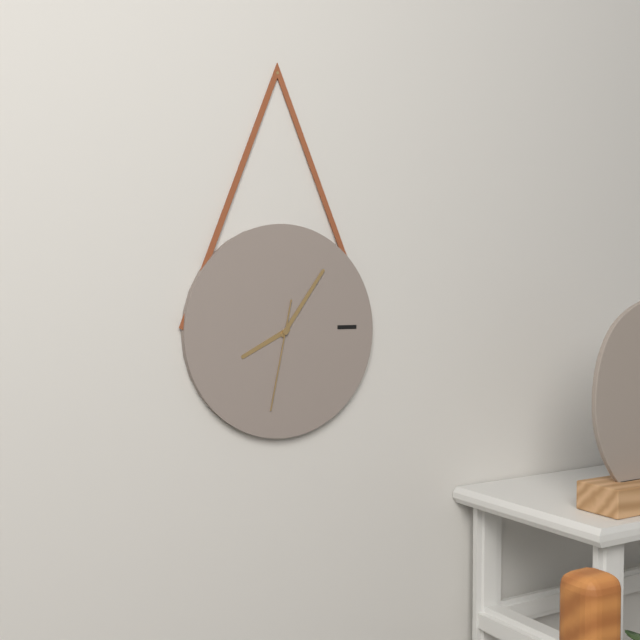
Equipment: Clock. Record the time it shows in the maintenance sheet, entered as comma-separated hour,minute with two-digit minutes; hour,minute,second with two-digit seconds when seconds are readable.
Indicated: 8,06,32
